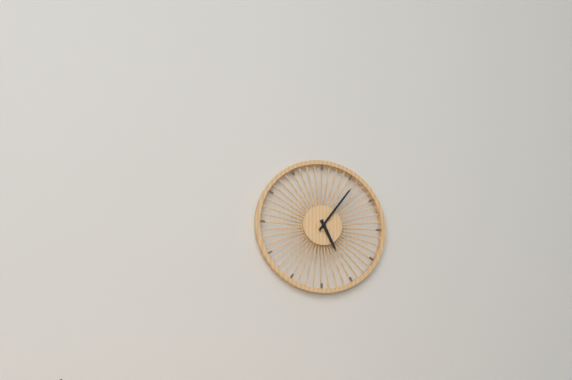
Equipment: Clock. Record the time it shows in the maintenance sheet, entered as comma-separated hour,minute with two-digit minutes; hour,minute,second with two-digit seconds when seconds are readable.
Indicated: 5,06
